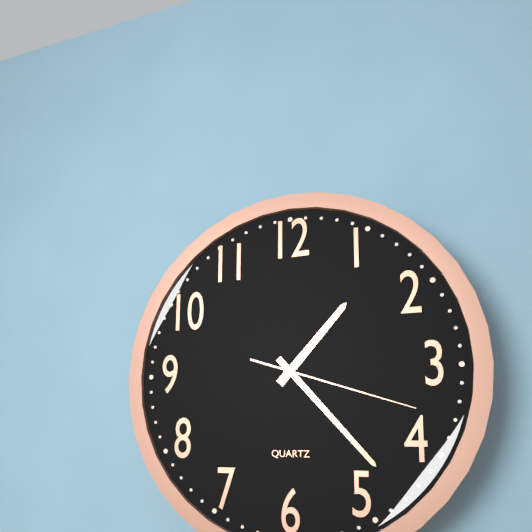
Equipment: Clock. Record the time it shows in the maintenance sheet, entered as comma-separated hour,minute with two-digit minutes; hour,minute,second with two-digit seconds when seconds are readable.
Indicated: 1,23,18
